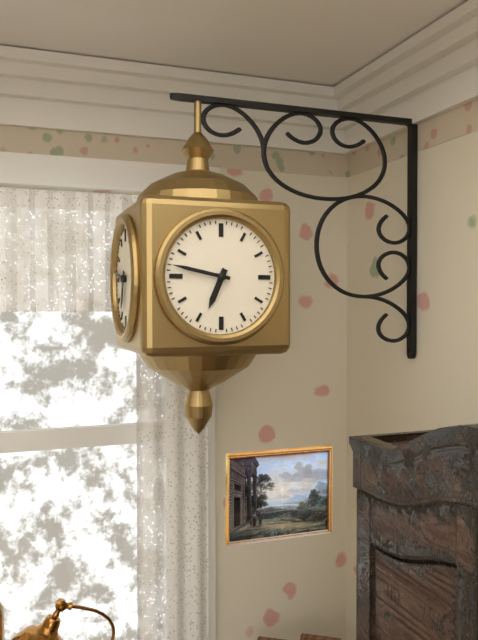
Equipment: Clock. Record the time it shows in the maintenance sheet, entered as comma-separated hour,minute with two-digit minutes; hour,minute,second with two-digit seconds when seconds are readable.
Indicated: 6,47
